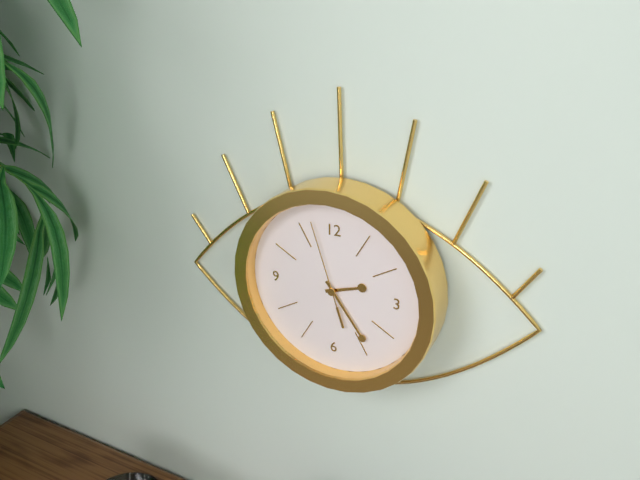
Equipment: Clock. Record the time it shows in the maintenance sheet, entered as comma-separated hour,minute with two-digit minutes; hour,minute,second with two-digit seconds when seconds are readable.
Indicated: 2,24,57
